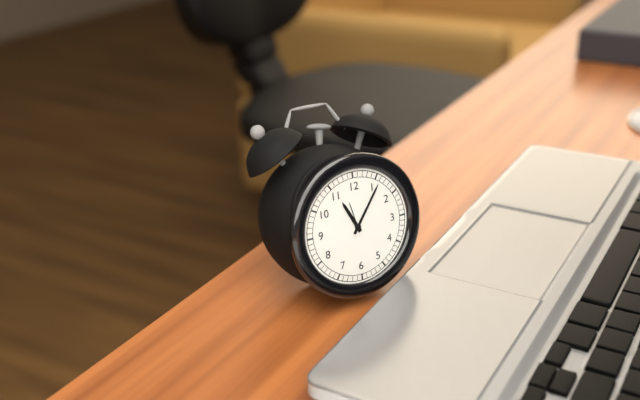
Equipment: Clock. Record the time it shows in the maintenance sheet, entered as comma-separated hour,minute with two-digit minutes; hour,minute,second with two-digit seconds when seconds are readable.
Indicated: 11,06
